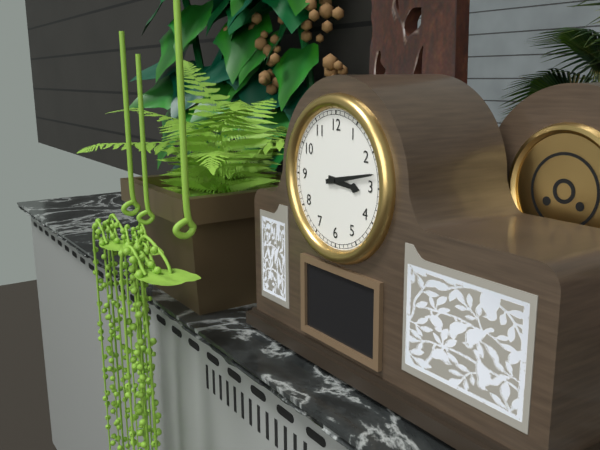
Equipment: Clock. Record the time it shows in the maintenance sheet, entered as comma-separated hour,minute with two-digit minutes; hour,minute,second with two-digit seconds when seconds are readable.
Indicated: 3,13
